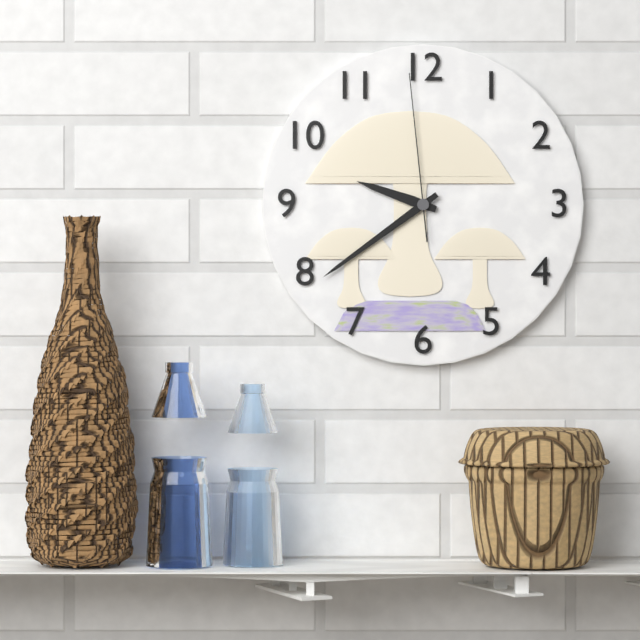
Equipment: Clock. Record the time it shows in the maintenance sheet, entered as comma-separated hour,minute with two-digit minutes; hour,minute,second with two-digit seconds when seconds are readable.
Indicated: 9,39,59
